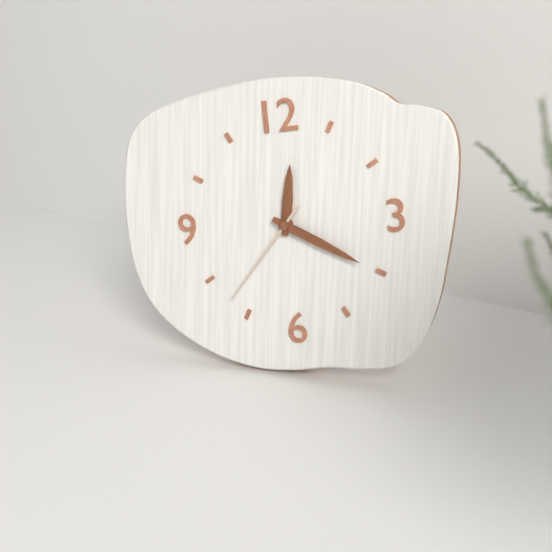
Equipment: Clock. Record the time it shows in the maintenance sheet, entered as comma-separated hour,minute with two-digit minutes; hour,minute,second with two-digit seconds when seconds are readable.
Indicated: 12,20,37
